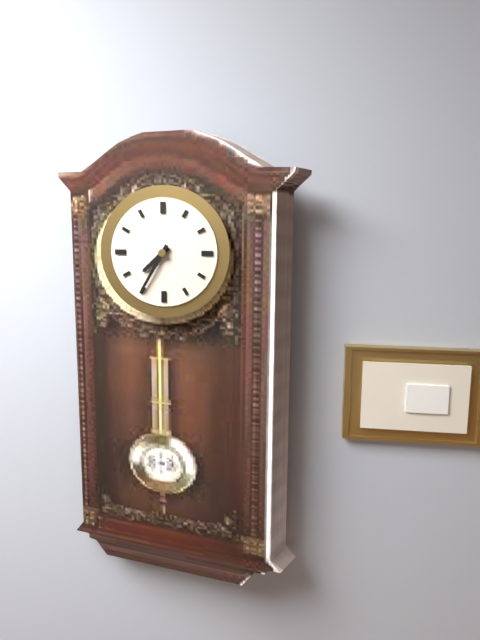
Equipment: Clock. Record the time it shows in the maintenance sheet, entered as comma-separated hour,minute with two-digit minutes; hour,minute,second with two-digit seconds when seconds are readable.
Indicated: 7,35
